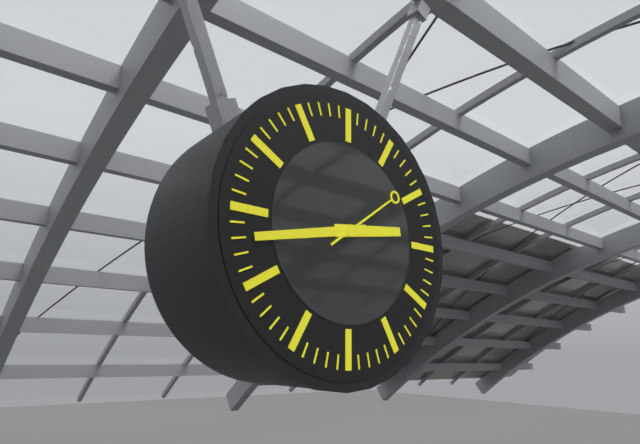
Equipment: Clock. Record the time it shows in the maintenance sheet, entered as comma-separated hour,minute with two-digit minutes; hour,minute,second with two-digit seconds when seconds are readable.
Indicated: 2,43,09
